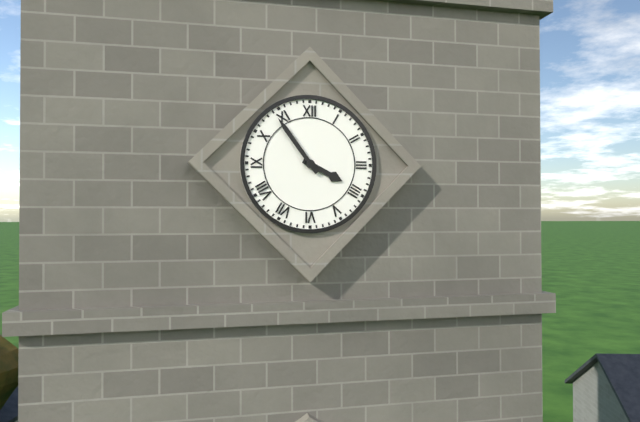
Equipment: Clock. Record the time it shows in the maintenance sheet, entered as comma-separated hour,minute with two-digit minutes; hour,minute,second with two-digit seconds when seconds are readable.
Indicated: 3,54
